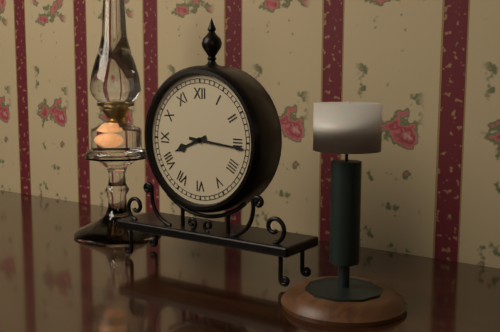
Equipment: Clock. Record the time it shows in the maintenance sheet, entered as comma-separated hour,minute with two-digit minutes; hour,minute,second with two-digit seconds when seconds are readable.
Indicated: 8,16
